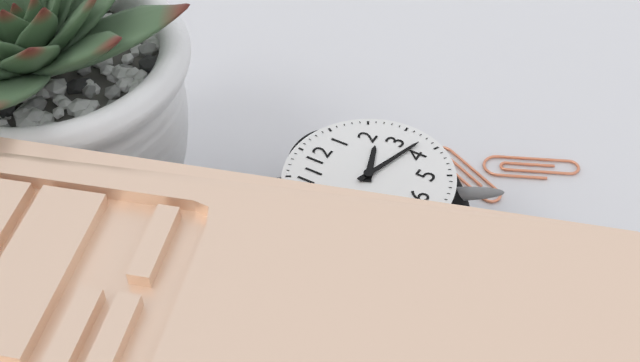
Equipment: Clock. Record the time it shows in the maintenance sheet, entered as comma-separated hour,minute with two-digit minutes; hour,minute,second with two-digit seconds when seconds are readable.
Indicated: 2,18
